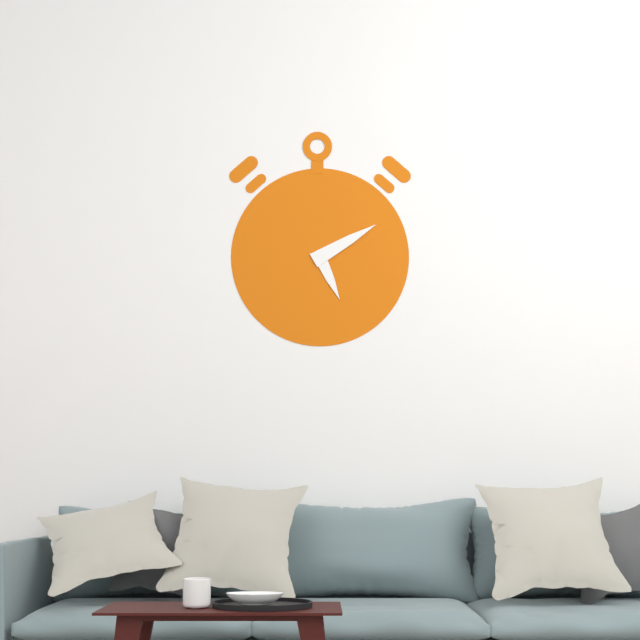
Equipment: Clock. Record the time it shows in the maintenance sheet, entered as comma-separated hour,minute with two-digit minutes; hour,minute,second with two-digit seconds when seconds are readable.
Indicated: 5,10
